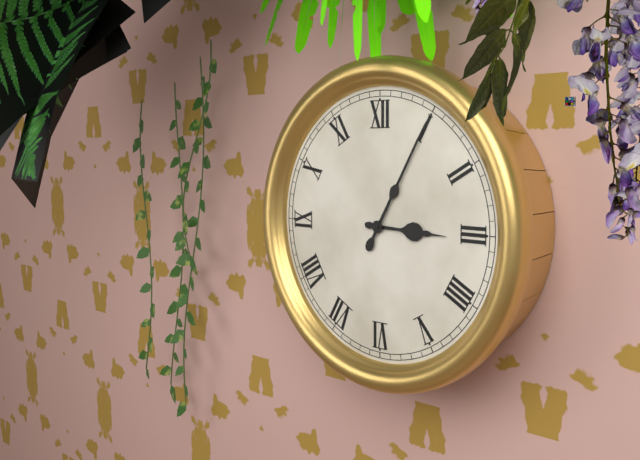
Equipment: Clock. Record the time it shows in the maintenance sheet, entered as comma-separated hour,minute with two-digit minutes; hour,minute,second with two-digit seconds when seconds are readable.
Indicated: 3,05
